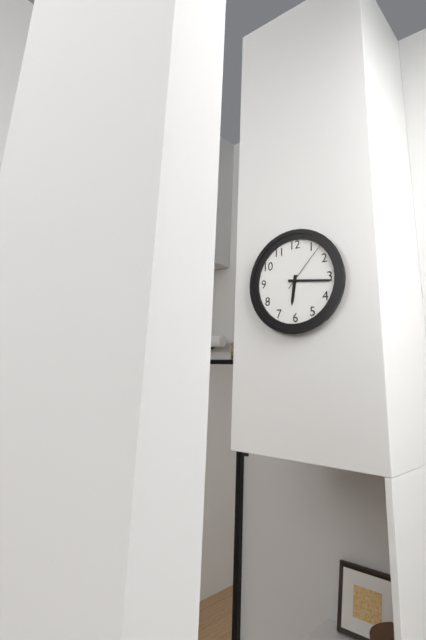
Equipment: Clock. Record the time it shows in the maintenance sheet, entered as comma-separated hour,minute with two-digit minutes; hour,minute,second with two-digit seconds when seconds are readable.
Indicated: 6,16,07
